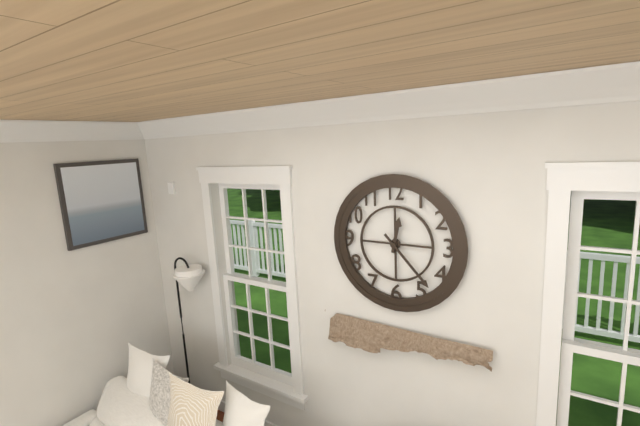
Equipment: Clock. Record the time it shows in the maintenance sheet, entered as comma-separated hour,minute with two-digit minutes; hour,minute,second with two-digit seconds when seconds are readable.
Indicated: 12,23
